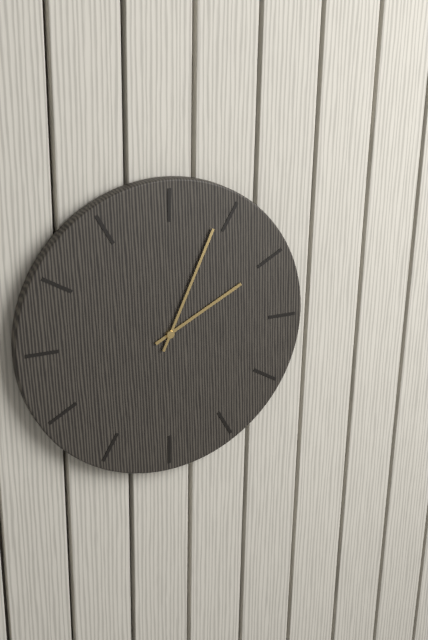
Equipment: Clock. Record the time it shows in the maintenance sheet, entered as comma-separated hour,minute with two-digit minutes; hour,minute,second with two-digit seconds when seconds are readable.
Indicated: 2,04
